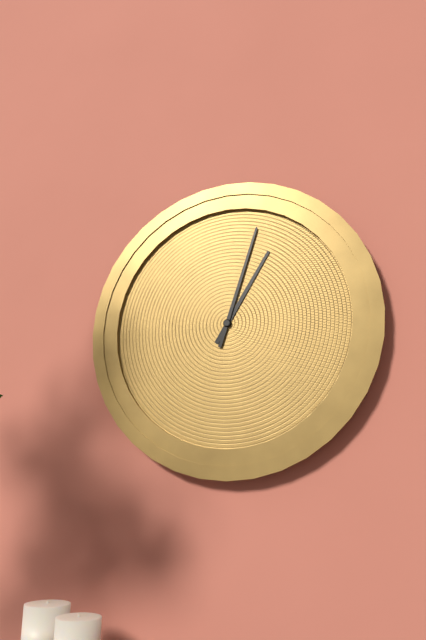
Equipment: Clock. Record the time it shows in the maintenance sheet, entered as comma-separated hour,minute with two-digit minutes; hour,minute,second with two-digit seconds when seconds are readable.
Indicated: 1,03
